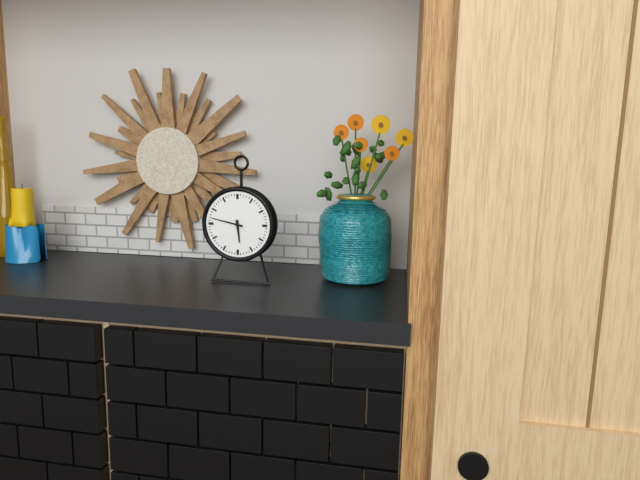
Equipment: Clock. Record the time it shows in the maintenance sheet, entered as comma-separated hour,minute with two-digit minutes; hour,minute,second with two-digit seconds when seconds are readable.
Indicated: 5,47
